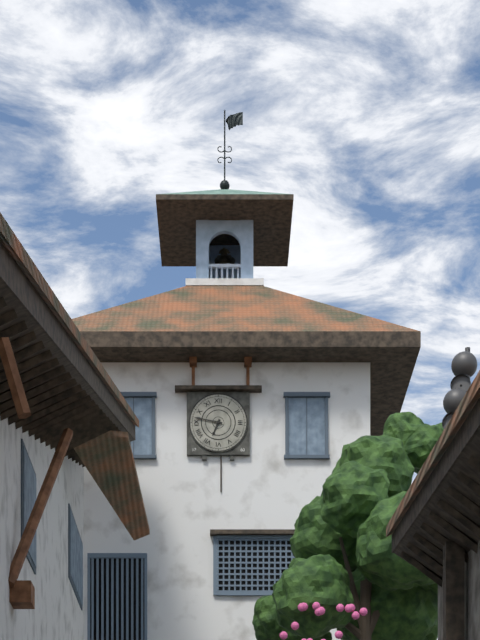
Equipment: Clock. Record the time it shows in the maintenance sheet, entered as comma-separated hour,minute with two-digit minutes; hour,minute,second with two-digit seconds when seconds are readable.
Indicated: 6,47
